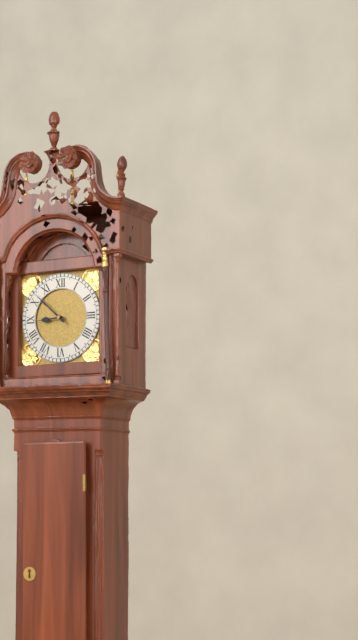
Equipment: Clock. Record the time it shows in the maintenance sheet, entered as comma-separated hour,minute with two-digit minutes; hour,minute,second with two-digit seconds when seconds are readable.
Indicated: 8,52
